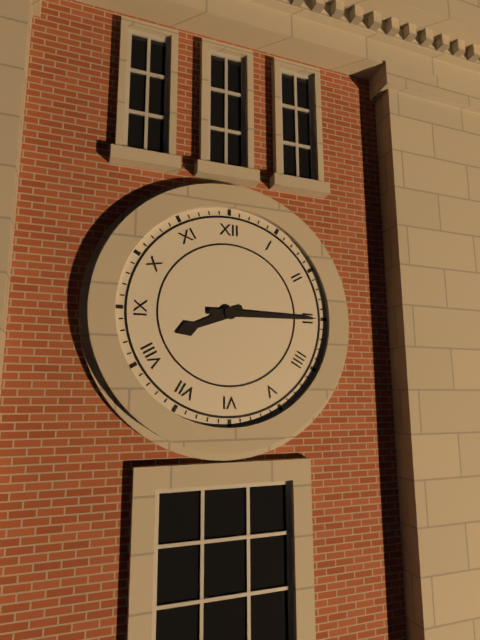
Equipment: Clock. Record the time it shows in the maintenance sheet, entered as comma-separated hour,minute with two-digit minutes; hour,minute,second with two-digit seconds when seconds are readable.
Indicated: 8,15
